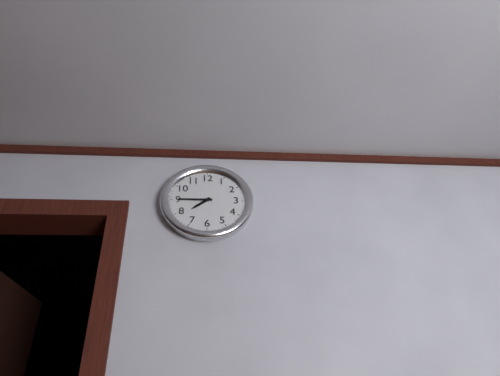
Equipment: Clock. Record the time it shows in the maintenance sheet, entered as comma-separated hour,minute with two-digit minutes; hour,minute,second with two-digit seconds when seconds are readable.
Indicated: 7,45
